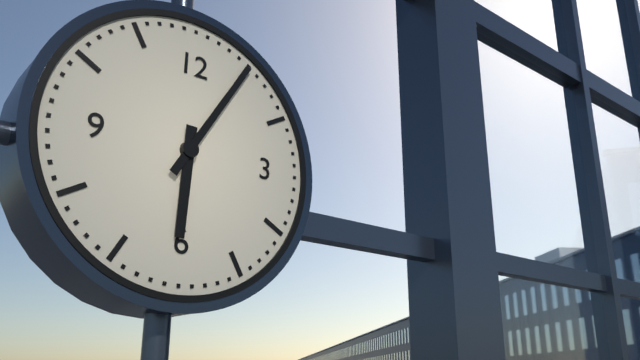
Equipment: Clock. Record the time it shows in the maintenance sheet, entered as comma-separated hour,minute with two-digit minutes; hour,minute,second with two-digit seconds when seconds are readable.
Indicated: 6,05
